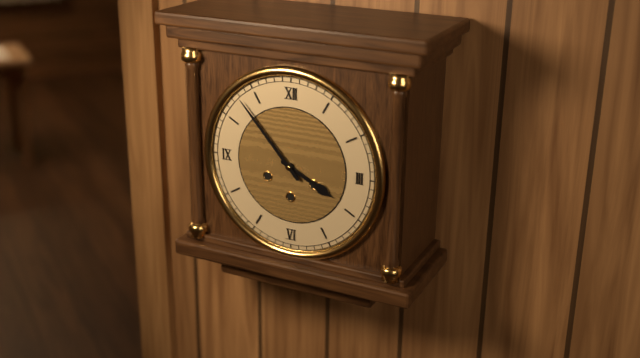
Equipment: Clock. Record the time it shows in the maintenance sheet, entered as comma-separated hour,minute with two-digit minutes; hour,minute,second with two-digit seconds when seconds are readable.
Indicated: 3,53
